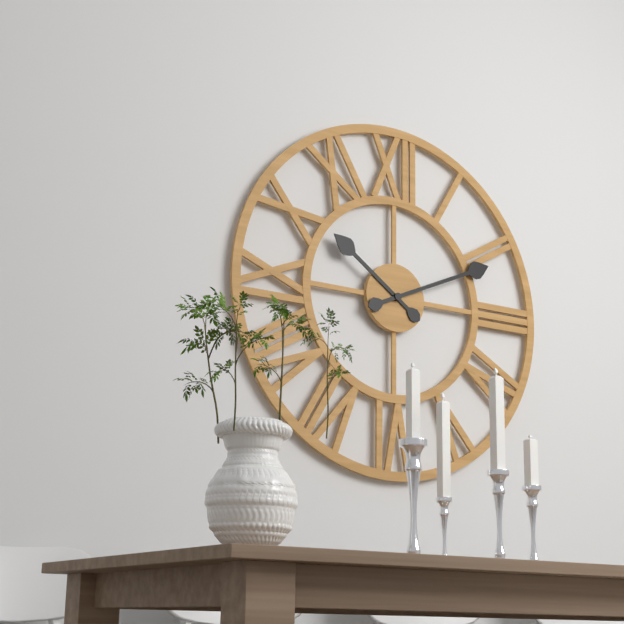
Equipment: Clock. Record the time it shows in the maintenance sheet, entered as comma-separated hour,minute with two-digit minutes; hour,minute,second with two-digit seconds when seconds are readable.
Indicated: 10,11
